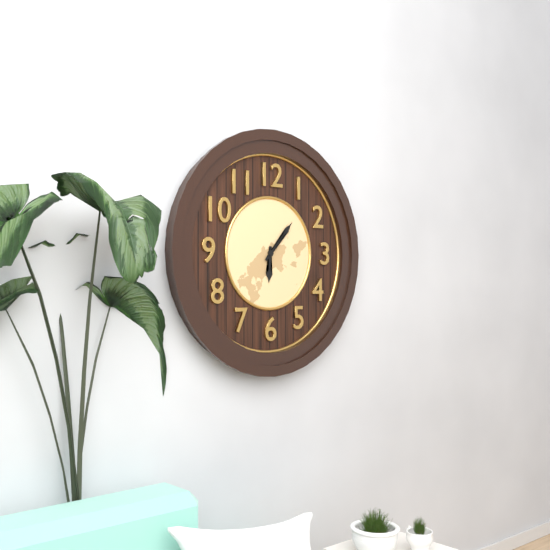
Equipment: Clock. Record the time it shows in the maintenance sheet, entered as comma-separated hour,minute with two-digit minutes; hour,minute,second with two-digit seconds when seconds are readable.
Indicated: 6,07
